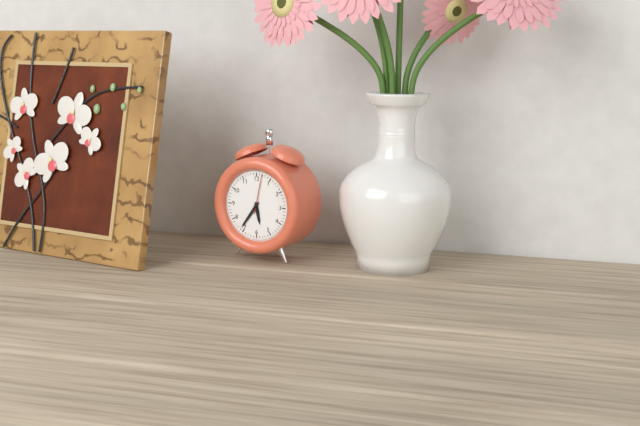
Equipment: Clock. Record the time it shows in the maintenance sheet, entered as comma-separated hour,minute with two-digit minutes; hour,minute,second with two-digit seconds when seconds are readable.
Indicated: 5,36
